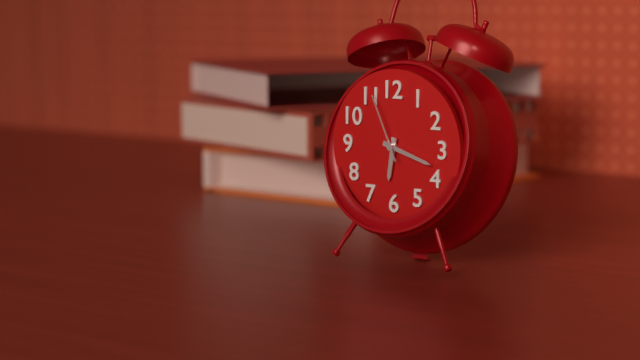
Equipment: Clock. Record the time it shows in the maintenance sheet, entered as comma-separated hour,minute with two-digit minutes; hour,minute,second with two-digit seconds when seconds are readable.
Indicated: 6,18,56
